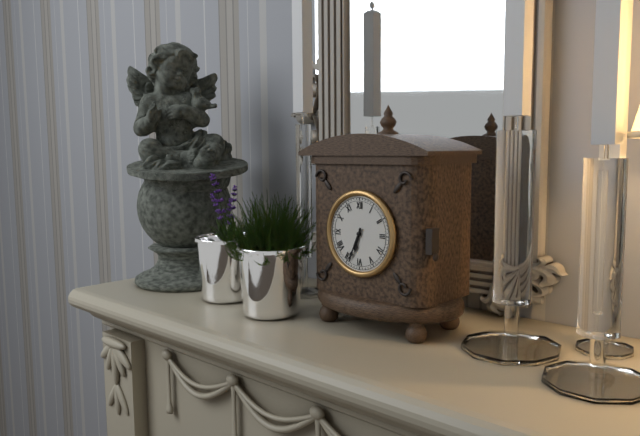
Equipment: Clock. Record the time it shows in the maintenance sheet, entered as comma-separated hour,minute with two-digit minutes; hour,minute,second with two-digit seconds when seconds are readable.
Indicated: 6,34
